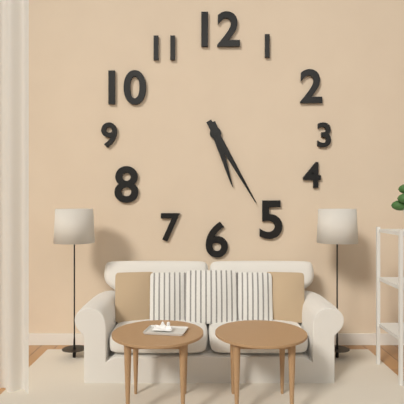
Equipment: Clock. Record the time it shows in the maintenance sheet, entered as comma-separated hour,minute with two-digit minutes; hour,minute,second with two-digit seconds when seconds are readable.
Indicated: 5,25
